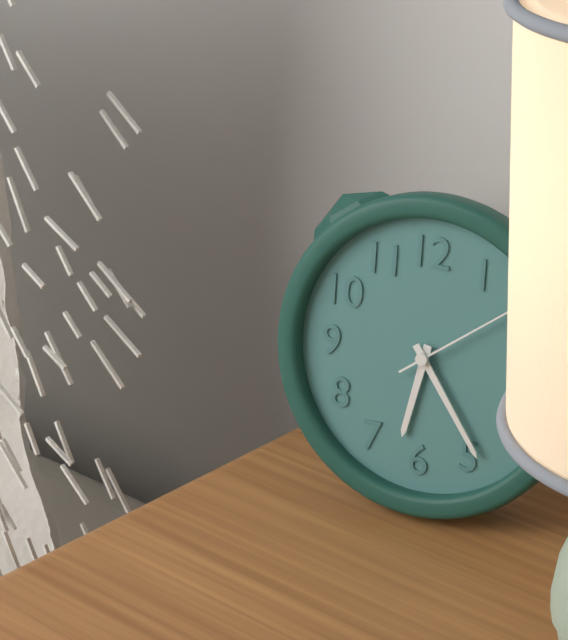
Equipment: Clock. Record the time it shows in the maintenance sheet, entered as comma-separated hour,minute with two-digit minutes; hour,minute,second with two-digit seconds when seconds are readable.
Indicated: 6,24,09
